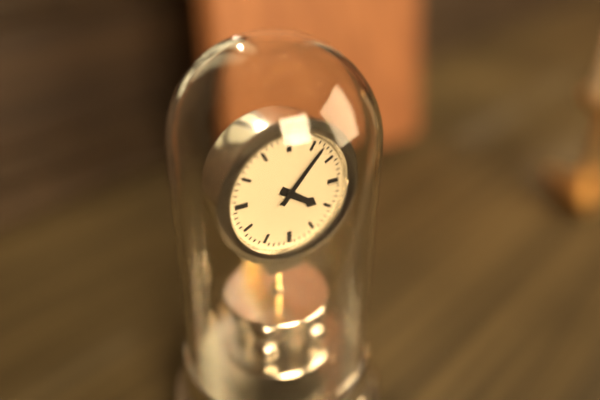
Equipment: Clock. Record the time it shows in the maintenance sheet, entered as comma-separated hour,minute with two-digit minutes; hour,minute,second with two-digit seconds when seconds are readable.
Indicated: 4,07
